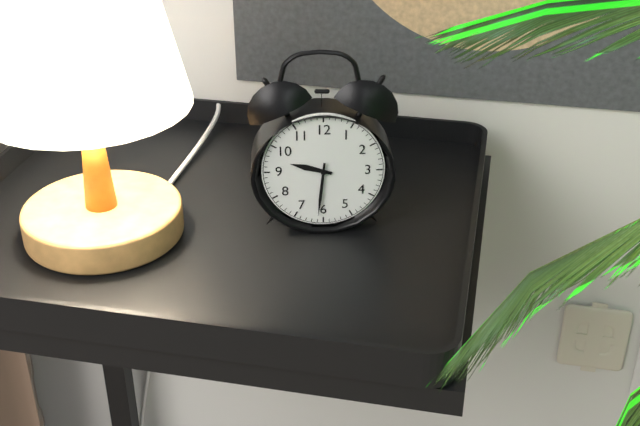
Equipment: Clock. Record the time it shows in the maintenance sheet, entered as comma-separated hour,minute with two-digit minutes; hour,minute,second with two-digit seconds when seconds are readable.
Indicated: 9,31
